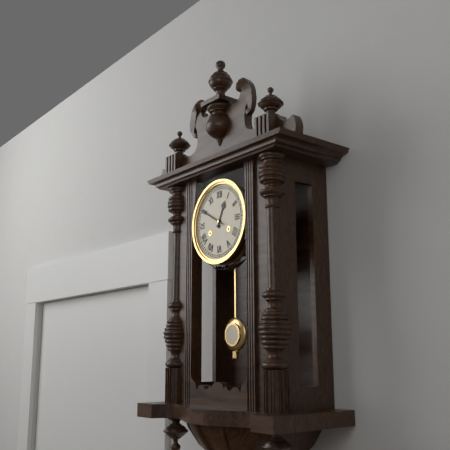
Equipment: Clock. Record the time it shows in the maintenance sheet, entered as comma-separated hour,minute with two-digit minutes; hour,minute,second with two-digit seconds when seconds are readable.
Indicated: 12,50
